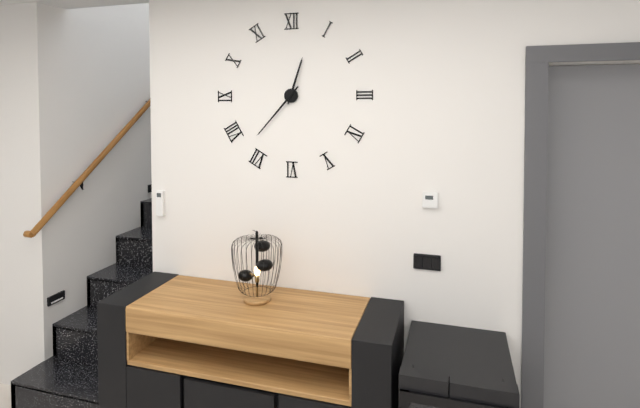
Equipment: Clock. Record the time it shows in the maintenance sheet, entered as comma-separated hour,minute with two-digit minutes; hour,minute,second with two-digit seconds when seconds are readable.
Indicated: 12,37
